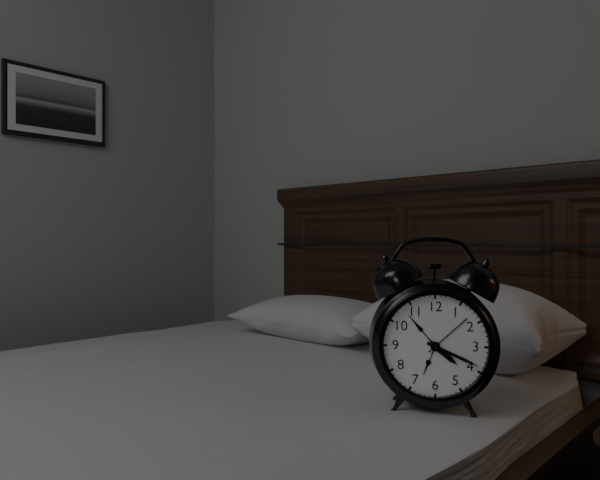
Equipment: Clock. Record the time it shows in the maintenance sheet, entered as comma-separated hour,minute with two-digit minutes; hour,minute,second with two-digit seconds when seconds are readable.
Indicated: 4,19
